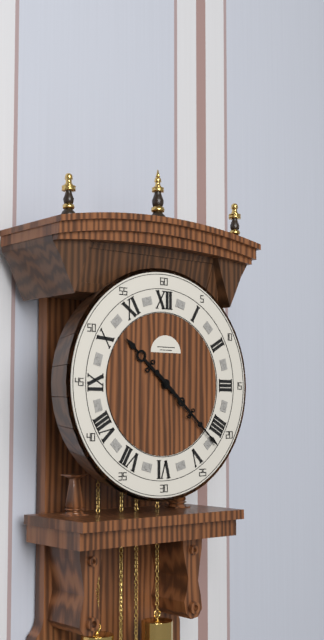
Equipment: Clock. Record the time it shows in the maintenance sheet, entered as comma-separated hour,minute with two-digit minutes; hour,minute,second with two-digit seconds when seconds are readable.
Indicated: 10,22
